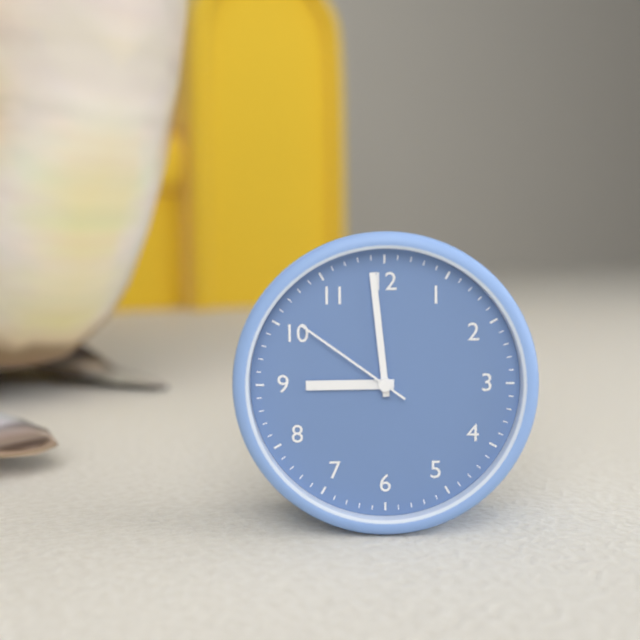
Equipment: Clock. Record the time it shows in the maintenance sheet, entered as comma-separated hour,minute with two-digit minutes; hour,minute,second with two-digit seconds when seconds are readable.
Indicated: 8,59,51
